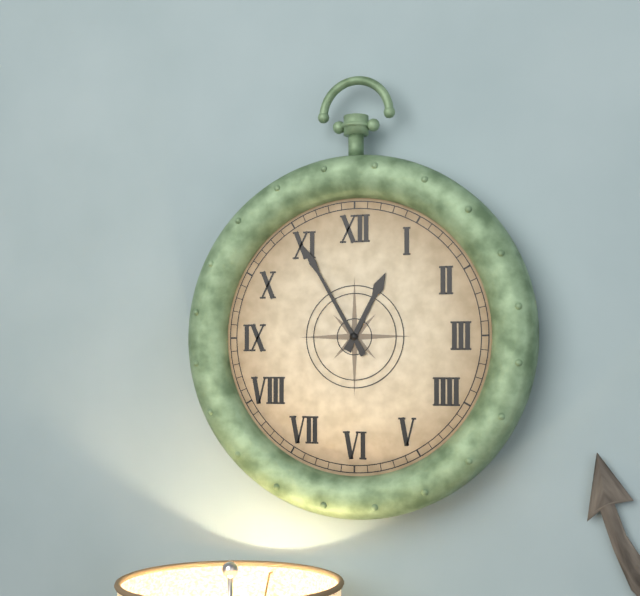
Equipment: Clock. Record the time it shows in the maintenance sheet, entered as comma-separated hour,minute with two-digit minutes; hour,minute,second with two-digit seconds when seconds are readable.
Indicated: 12,55
